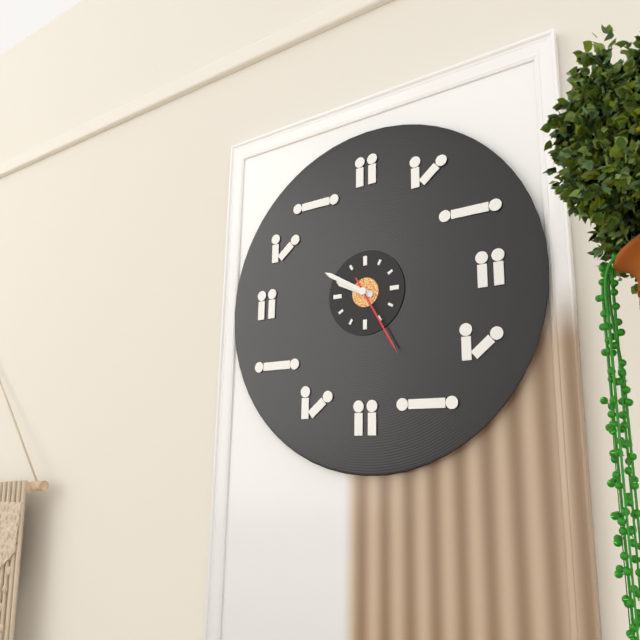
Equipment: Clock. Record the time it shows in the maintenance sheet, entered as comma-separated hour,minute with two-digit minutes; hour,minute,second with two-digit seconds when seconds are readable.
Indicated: 9,50,25
